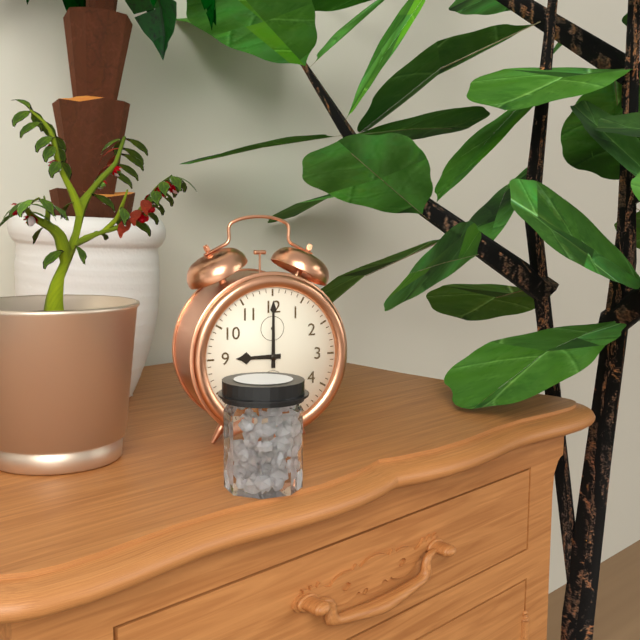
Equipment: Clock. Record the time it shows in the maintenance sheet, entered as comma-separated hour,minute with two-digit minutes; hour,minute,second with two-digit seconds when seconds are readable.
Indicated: 9,00
